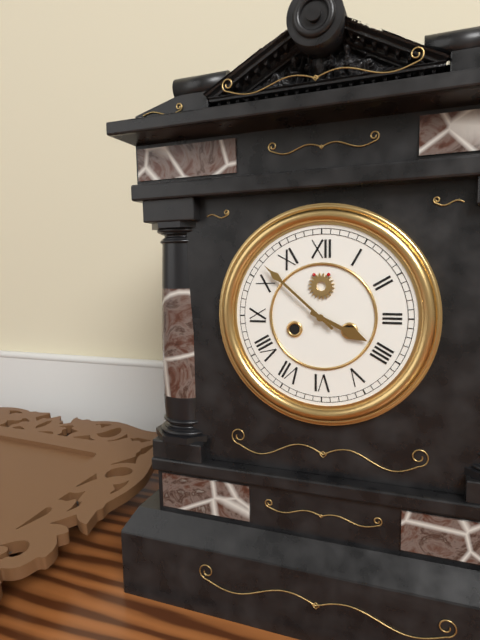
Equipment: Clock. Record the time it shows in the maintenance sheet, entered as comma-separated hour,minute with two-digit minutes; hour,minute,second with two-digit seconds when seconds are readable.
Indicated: 3,52
